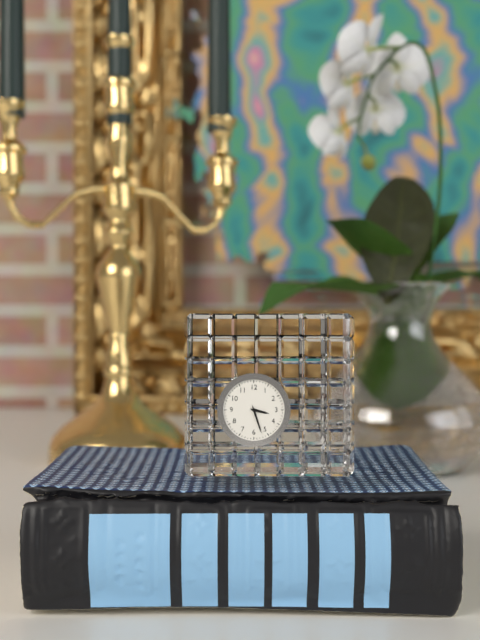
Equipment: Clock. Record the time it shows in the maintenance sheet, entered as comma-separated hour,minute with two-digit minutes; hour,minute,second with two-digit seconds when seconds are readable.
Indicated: 3,27
